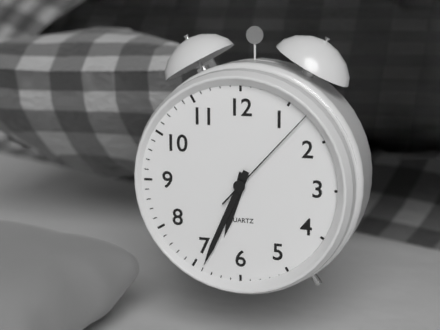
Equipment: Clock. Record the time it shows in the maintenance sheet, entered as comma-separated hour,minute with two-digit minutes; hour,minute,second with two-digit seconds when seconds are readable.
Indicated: 6,34,07
